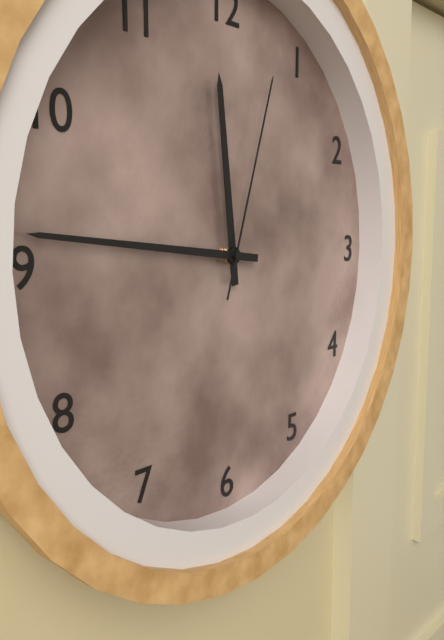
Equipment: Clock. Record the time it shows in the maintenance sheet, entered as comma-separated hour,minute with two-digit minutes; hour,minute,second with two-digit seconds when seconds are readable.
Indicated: 11,46,03
